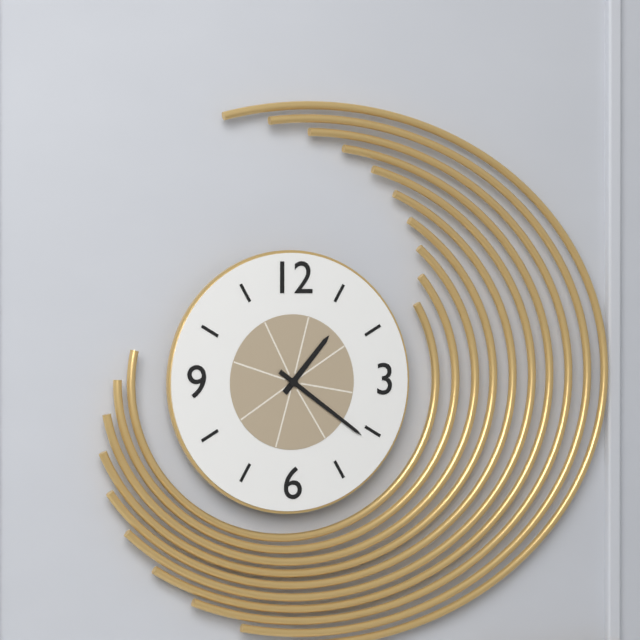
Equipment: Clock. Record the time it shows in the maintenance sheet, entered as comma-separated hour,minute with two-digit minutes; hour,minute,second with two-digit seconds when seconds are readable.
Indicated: 1,21
